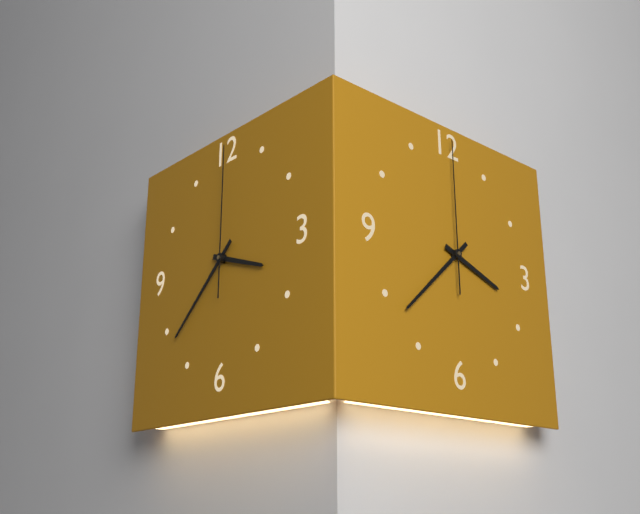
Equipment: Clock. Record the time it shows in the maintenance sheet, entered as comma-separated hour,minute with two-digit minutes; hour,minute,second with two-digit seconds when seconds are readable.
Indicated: 3,38,00
